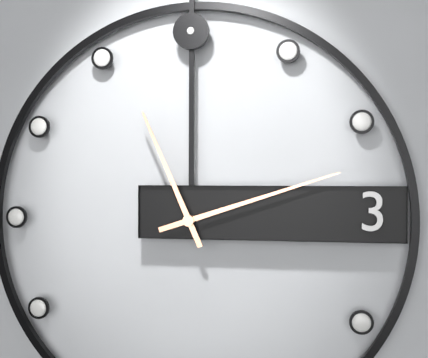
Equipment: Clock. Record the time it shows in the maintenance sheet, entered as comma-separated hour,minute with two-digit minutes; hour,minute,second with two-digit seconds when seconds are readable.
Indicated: 11,12
